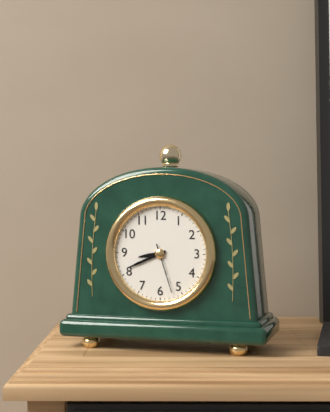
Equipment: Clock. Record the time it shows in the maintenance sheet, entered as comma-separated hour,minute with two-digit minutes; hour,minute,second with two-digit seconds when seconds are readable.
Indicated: 8,41,27
